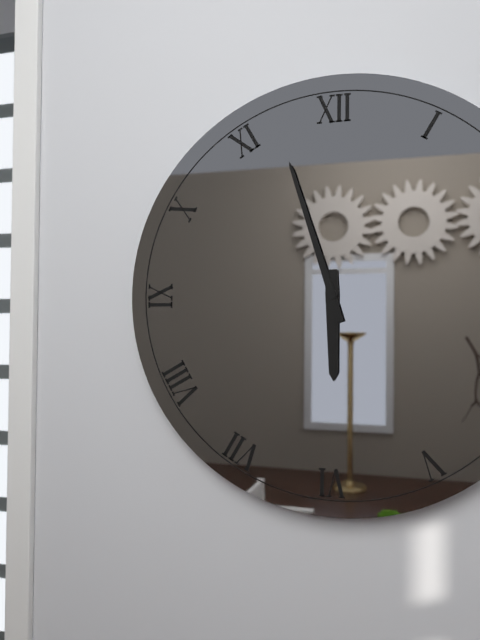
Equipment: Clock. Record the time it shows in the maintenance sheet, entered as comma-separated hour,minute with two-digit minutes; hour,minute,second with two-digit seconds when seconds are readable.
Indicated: 5,57
